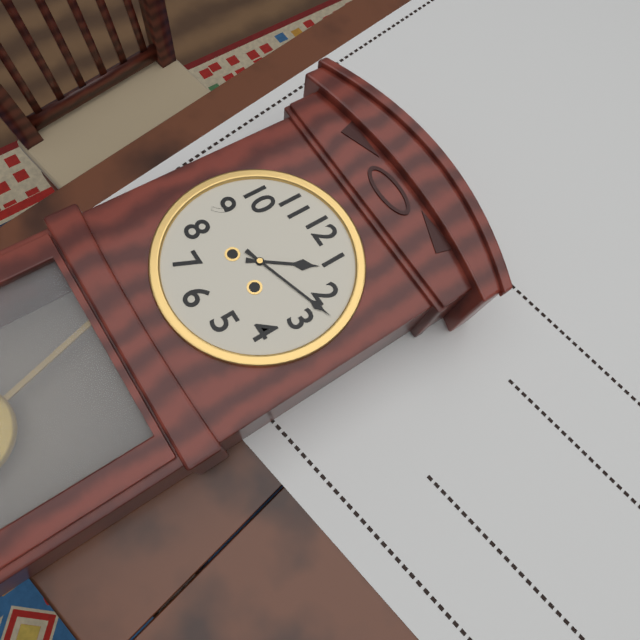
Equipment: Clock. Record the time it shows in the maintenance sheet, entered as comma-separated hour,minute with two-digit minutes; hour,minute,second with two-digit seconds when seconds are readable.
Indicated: 1,12
